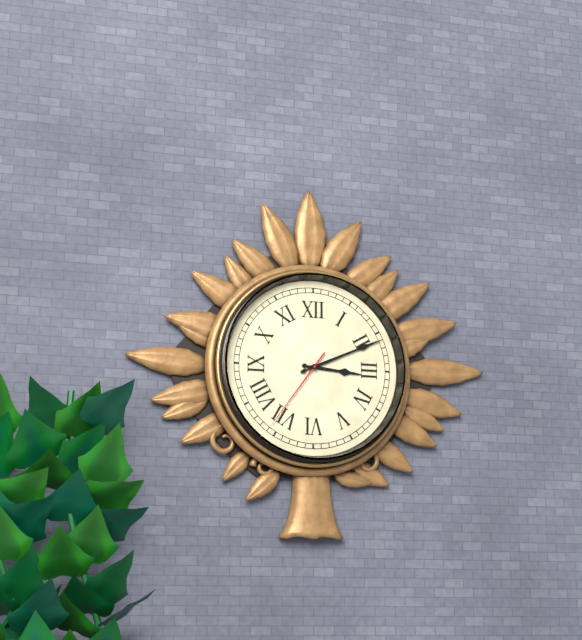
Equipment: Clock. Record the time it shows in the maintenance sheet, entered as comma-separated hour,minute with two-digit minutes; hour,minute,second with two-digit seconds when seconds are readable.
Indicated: 3,11,36
